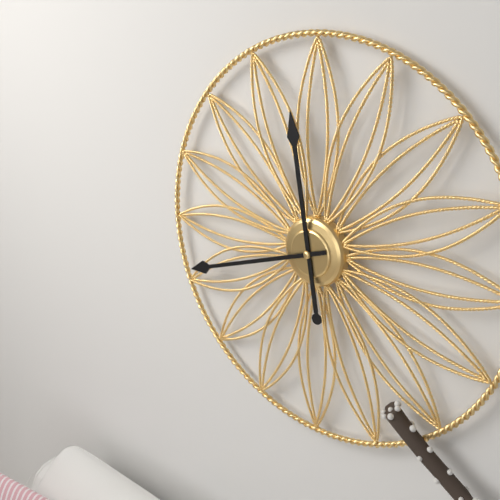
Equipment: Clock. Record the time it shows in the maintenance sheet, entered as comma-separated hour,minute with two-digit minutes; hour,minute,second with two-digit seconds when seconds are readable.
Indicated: 11,42
